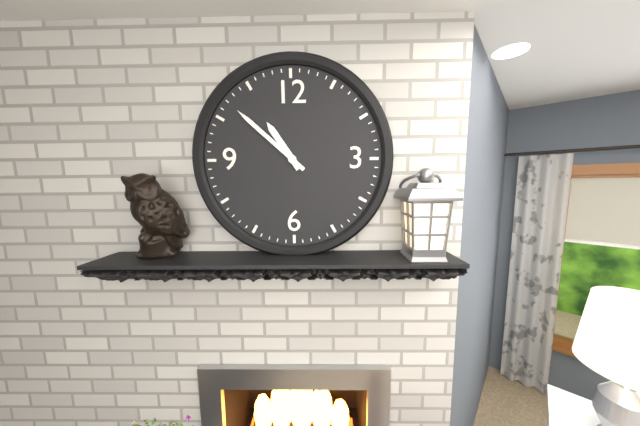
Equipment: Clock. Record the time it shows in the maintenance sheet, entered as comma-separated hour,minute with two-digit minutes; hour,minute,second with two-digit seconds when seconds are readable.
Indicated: 10,52
